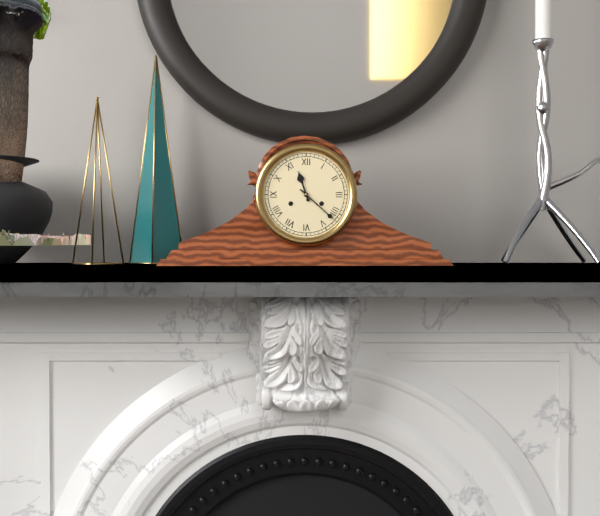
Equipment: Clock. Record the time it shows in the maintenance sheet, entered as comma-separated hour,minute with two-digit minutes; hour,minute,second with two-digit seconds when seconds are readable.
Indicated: 11,22
